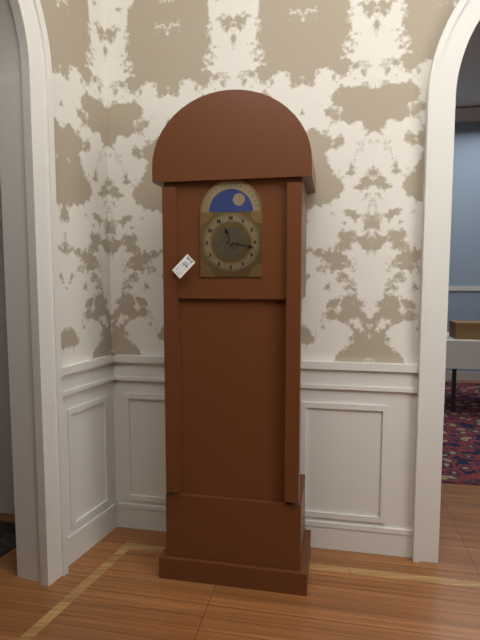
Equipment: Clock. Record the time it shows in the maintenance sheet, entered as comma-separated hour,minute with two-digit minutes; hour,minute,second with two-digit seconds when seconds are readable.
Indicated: 11,17
